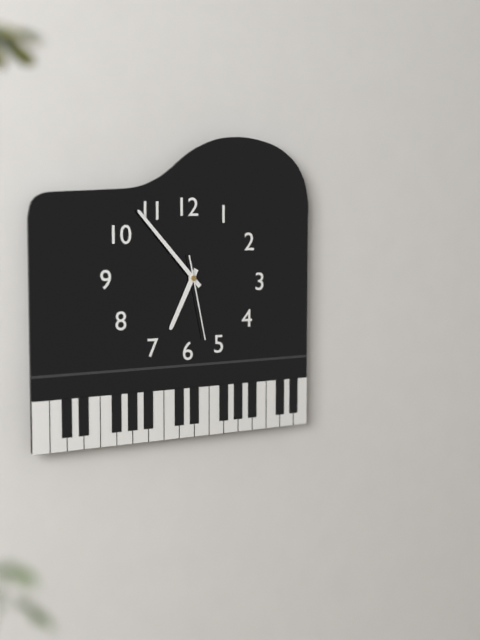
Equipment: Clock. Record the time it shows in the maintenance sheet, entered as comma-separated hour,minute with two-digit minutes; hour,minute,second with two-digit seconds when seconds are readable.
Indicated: 6,53,28
